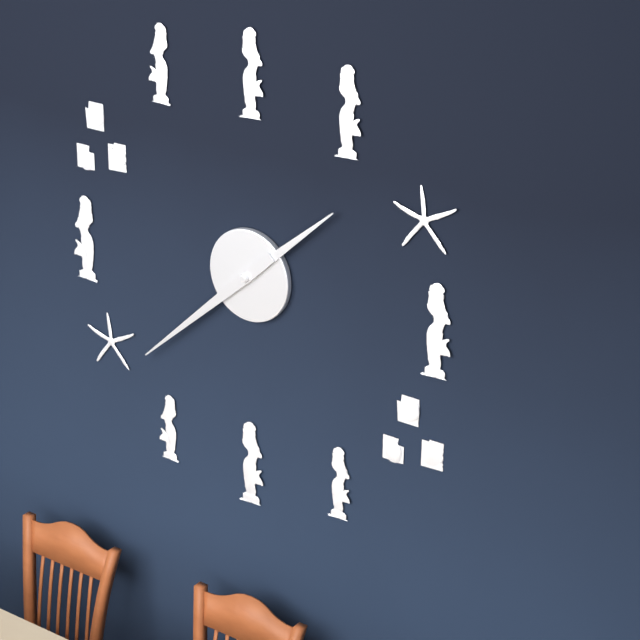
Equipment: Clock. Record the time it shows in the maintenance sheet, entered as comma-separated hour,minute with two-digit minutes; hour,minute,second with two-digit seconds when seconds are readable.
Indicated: 1,38
